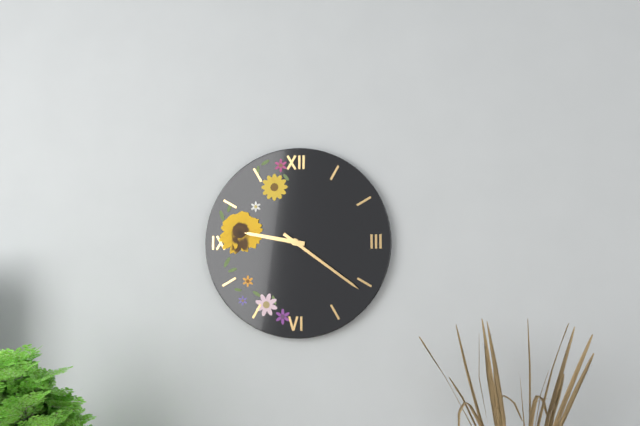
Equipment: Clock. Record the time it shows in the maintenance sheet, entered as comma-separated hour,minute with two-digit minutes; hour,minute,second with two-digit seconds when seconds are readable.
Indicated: 9,21
